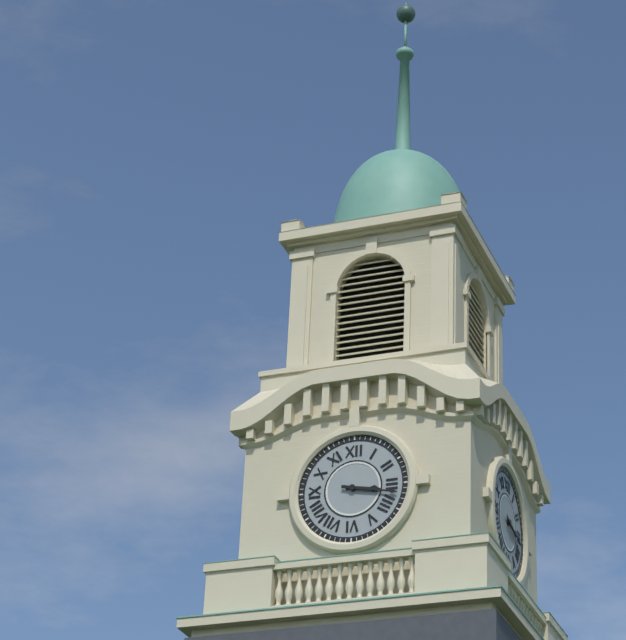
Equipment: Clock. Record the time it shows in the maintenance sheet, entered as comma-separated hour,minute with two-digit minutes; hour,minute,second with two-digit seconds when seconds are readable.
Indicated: 3,17
